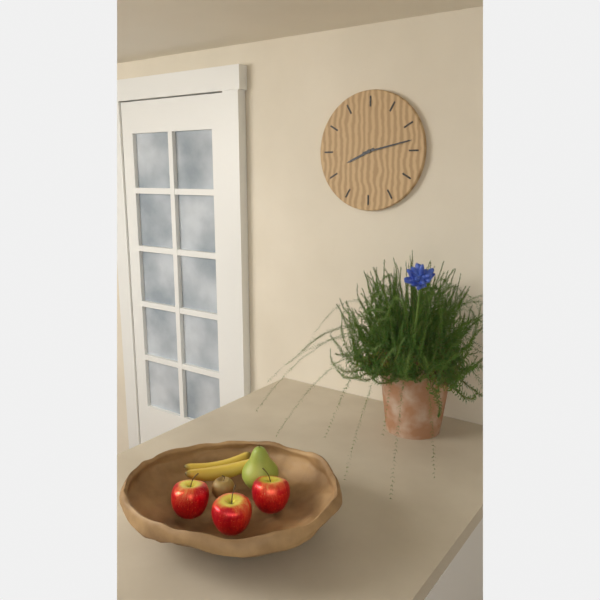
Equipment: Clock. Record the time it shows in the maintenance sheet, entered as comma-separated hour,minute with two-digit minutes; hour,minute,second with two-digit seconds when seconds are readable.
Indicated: 8,13
